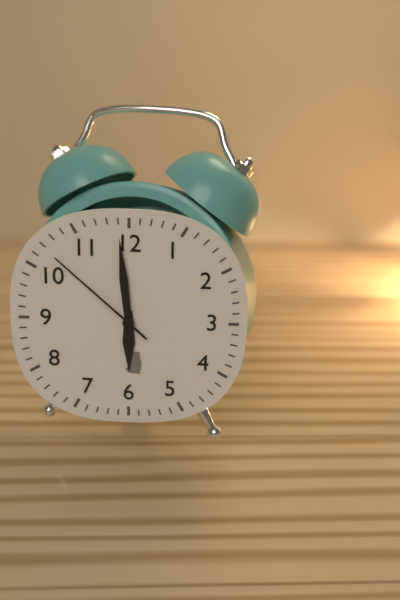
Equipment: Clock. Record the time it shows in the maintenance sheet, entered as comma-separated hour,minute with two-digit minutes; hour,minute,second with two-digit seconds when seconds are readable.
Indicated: 5,59,52
